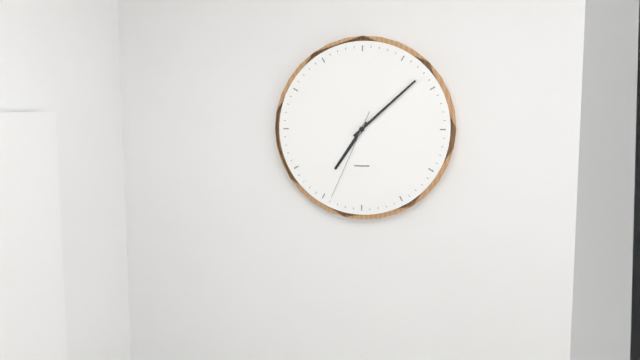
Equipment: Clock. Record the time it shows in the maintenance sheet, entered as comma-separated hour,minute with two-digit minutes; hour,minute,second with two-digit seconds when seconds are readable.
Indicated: 7,08,34
